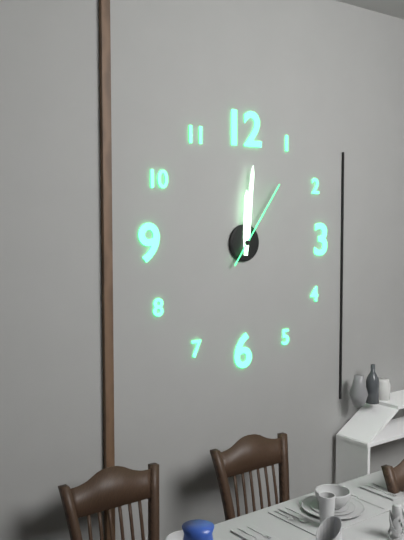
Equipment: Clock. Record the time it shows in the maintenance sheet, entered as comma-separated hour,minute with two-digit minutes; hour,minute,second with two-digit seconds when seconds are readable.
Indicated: 12,01,06
